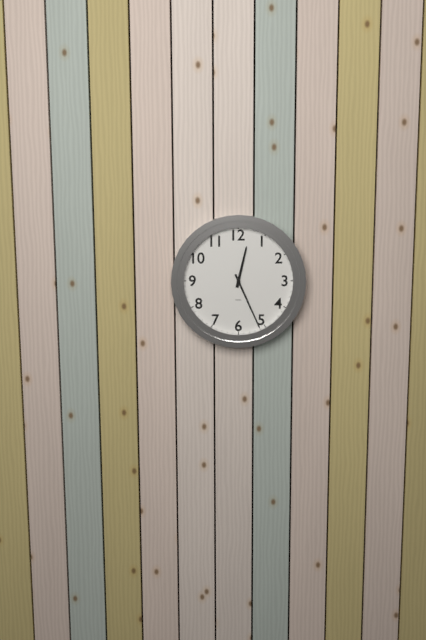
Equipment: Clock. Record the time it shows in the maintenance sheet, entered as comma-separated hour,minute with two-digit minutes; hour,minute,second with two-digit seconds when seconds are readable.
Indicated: 12,26
